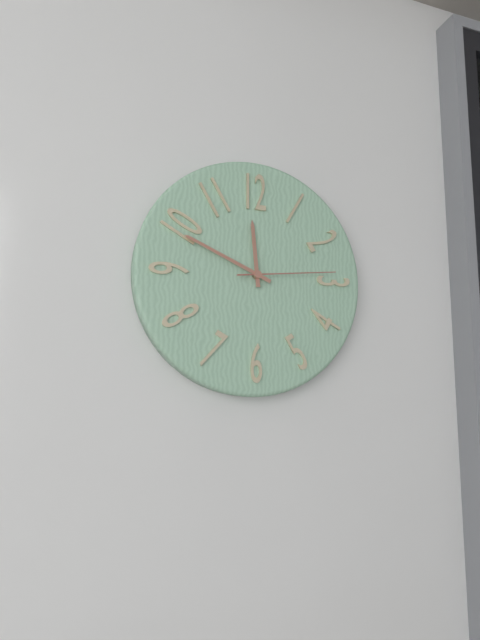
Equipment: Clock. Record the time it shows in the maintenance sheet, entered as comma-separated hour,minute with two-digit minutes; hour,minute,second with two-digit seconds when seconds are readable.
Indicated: 11,49,14
